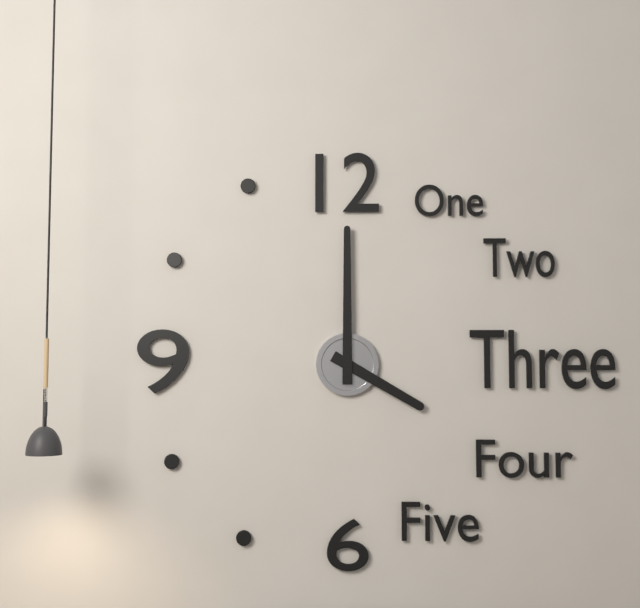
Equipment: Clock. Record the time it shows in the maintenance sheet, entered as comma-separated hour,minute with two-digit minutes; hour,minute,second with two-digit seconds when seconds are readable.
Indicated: 4,00
